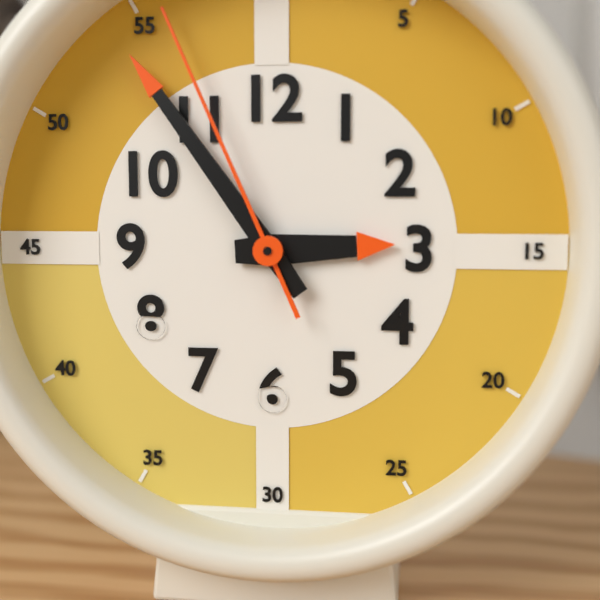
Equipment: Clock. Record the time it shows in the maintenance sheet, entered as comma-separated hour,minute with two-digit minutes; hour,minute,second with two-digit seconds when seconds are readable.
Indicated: 2,54,56
